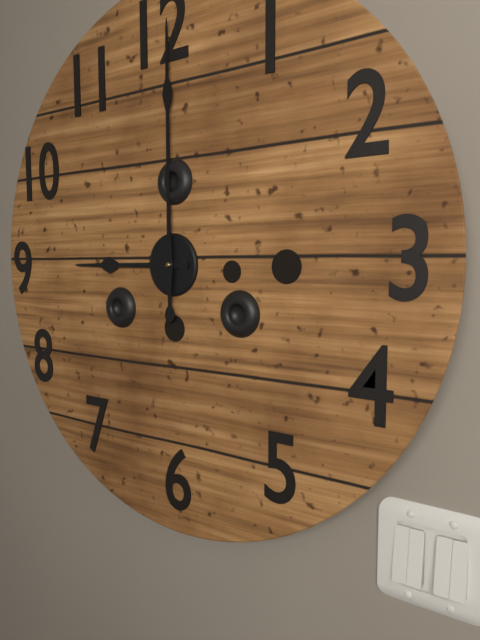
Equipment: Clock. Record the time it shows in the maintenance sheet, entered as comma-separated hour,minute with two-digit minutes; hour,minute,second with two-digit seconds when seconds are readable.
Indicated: 9,00
